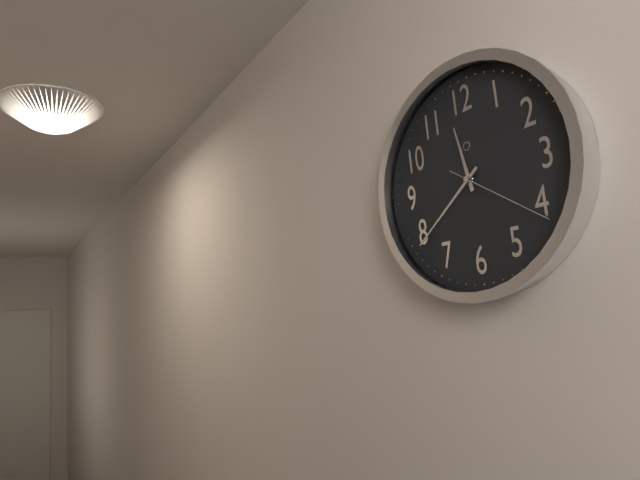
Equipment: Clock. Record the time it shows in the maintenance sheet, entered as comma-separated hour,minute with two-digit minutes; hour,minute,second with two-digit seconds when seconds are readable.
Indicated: 11,39,21
